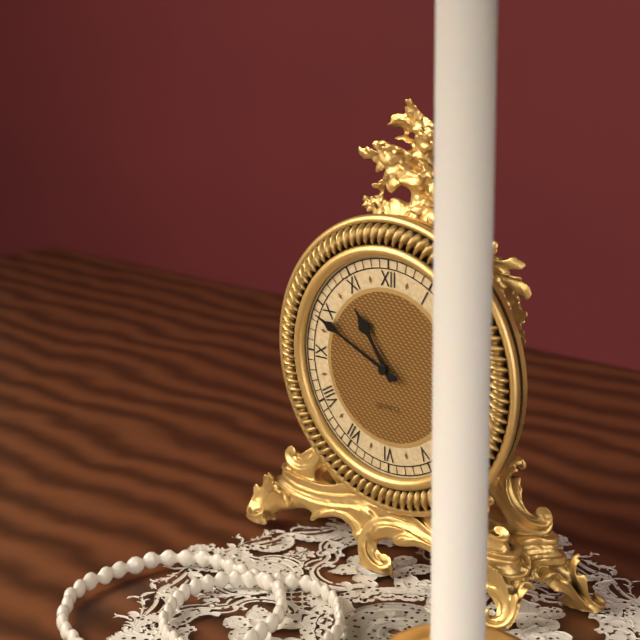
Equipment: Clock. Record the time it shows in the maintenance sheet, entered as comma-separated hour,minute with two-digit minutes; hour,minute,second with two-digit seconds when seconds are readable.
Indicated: 10,49
